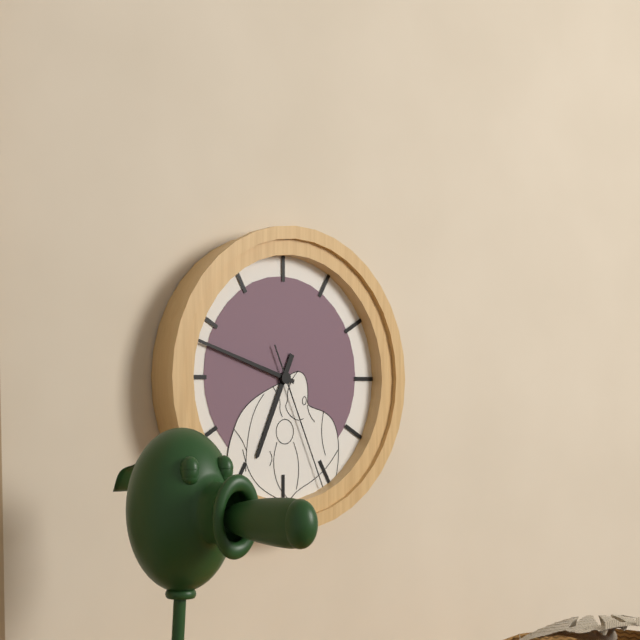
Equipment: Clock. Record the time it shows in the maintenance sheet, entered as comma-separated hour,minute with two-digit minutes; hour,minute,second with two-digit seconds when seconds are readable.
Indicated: 6,48,26
